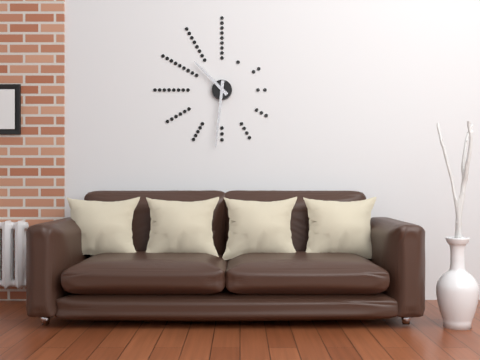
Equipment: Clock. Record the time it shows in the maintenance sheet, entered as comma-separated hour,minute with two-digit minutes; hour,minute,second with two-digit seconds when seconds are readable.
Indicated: 10,31
